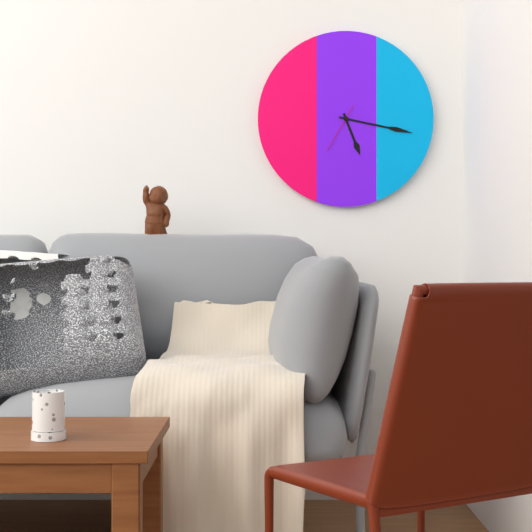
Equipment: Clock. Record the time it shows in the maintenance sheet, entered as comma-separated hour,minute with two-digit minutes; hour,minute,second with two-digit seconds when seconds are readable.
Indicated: 5,17
